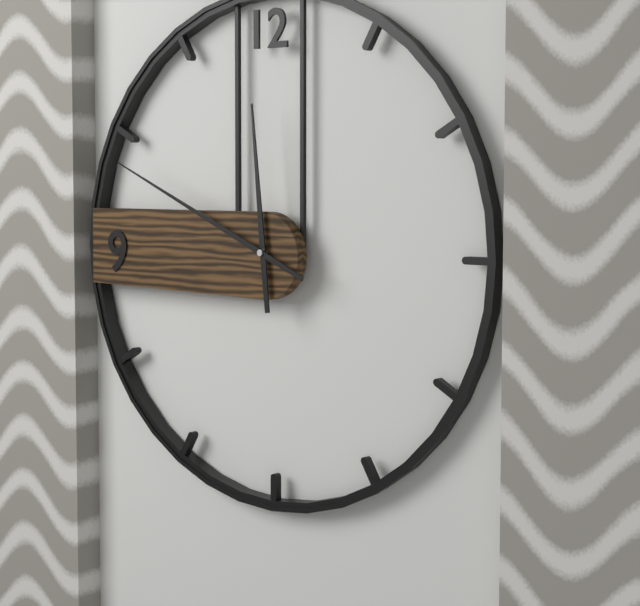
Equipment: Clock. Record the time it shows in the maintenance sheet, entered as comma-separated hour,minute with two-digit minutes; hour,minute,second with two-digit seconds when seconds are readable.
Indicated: 11,49
